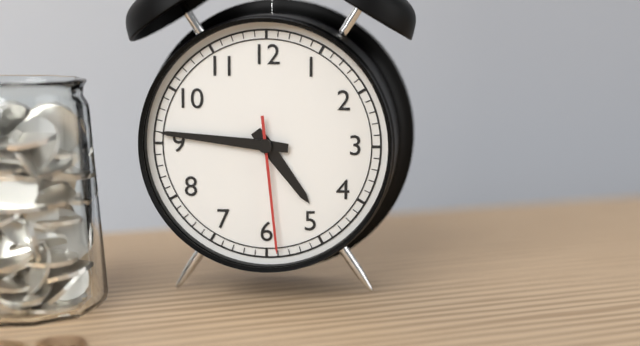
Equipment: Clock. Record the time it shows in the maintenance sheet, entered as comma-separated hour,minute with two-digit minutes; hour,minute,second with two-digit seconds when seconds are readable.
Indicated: 4,46,29
